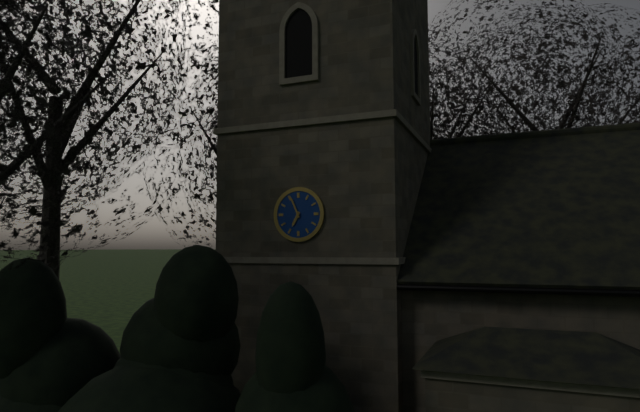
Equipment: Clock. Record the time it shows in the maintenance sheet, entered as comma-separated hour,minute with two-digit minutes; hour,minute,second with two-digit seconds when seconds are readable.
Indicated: 6,56
